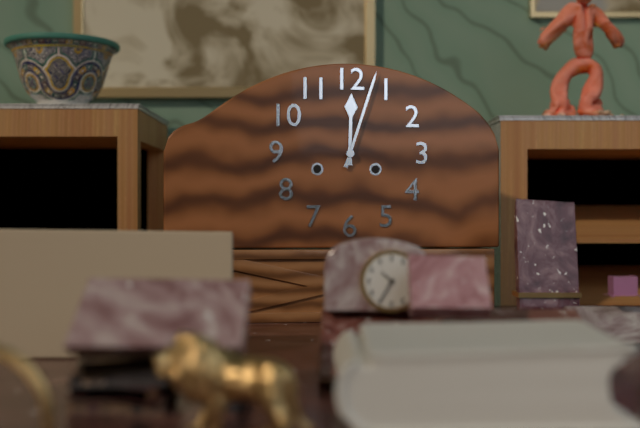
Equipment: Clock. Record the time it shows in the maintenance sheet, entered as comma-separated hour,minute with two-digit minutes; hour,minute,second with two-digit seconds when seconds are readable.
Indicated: 12,03
